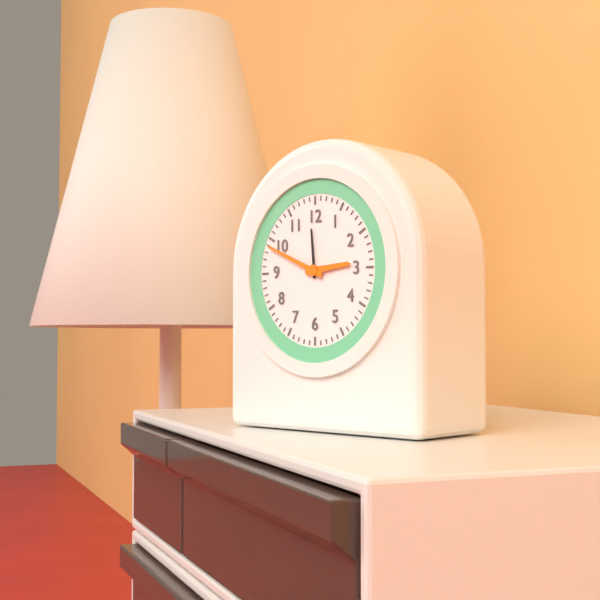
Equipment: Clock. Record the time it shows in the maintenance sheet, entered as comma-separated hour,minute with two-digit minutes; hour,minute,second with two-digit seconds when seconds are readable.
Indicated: 2,49
